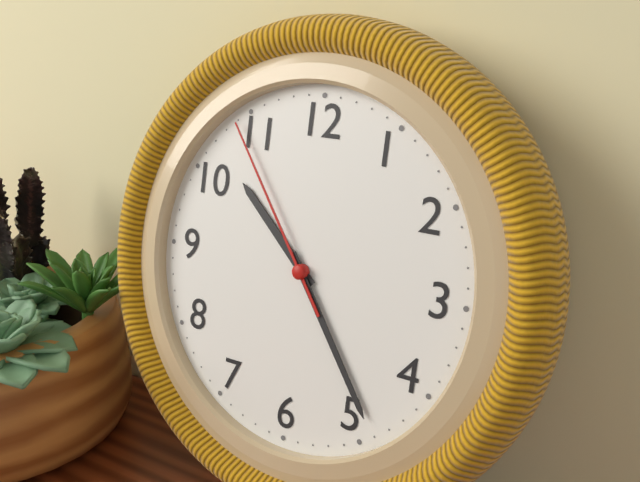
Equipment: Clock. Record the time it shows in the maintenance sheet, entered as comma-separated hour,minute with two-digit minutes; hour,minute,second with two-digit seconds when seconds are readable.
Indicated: 10,24,54
